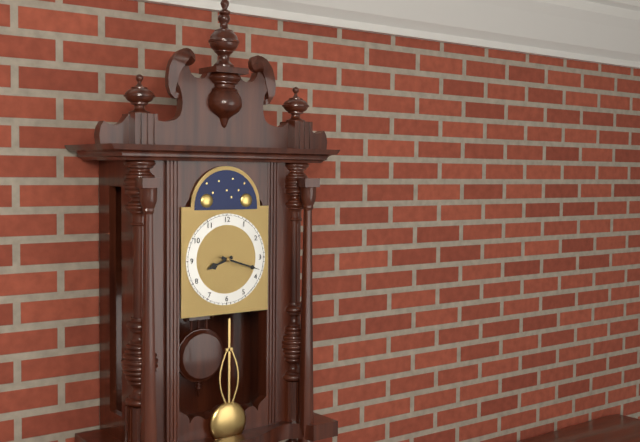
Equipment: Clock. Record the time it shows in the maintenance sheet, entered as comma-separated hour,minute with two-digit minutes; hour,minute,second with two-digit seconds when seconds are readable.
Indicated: 8,18
